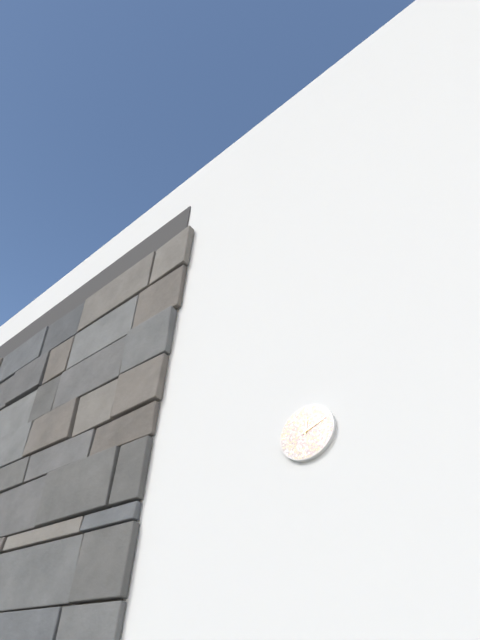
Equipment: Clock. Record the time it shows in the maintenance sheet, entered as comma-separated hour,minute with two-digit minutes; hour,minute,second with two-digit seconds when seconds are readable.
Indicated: 12,11
